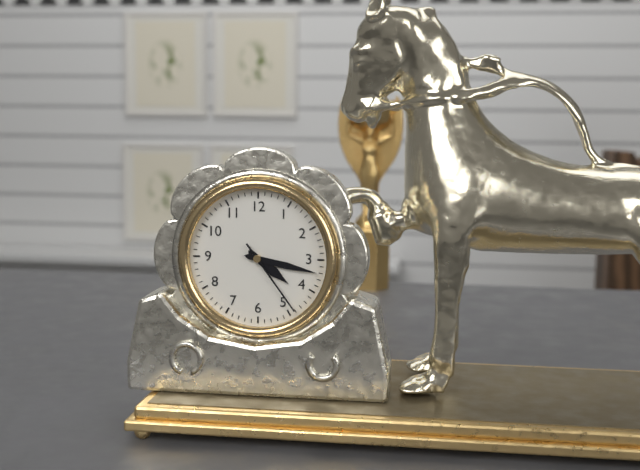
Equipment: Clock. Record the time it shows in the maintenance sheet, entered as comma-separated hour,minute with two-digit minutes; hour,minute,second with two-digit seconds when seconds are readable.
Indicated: 4,17,24
